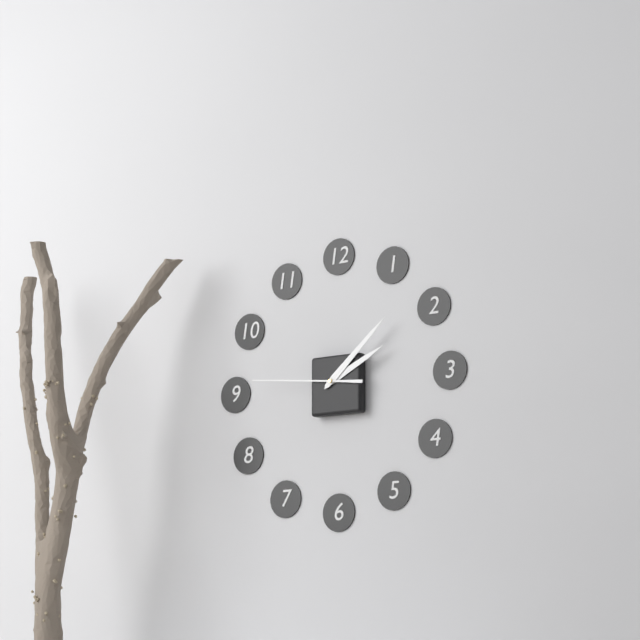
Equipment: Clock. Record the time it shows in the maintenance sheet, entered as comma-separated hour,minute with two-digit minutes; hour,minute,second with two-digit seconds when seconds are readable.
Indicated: 2,08,46
